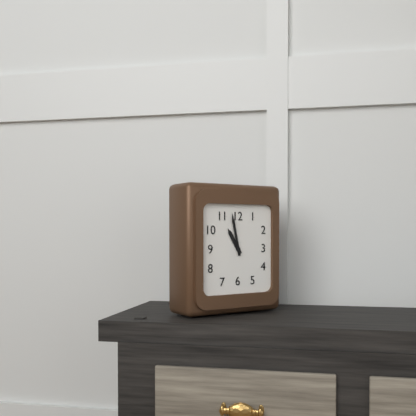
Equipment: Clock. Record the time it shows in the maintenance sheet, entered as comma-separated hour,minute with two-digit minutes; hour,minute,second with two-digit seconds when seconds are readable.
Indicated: 10,58
